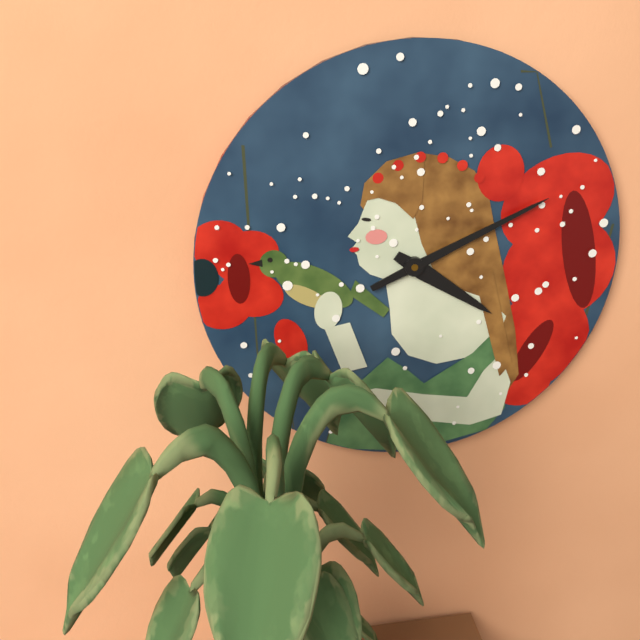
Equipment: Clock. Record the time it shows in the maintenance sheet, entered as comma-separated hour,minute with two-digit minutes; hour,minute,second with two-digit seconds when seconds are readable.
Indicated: 4,11
